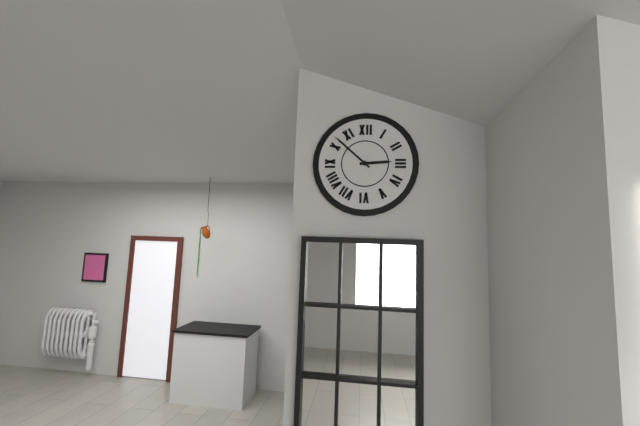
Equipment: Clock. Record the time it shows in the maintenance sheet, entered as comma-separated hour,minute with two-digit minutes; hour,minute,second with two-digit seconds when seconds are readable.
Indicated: 2,52
